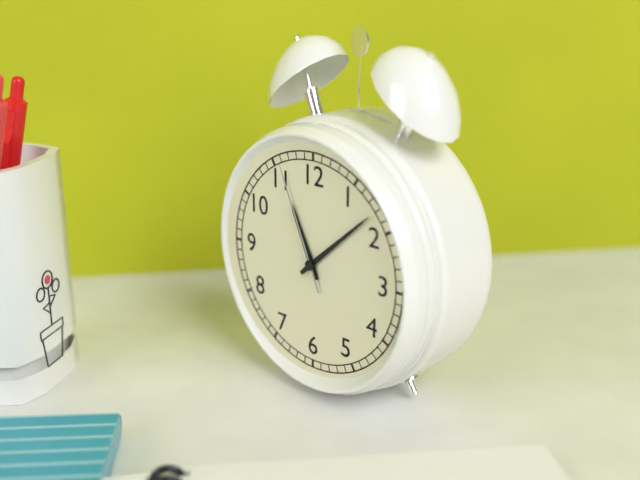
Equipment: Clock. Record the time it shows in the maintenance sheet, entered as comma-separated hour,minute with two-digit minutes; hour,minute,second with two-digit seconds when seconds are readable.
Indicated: 11,08,56
